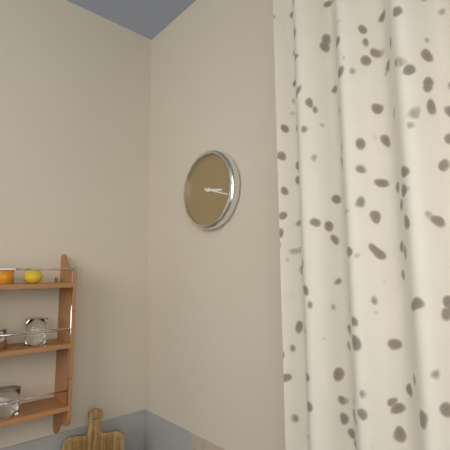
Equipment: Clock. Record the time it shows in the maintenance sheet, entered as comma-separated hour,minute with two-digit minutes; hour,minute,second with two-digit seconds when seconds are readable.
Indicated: 3,18
